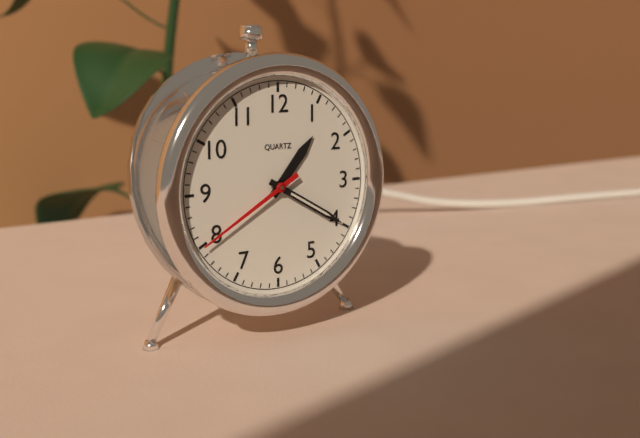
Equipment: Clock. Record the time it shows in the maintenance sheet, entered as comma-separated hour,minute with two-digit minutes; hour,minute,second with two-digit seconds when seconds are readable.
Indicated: 1,20,40
